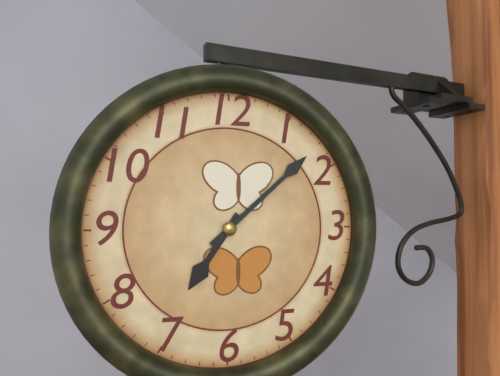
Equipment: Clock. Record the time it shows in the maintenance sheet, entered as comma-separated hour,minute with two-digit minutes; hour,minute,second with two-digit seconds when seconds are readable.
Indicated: 7,08
